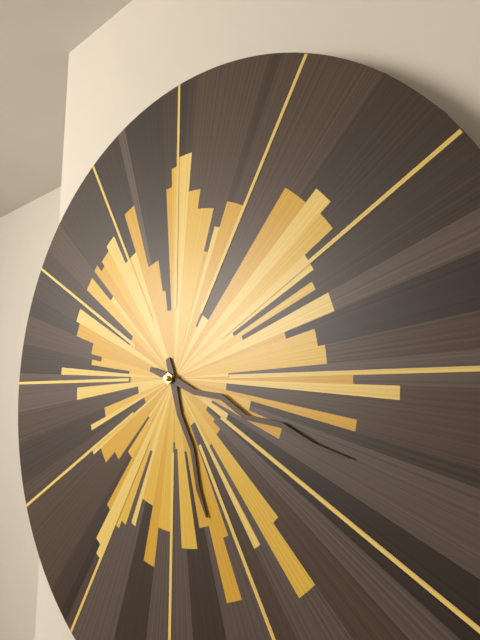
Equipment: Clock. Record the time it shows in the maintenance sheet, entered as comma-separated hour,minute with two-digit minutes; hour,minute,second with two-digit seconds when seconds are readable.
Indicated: 5,18
